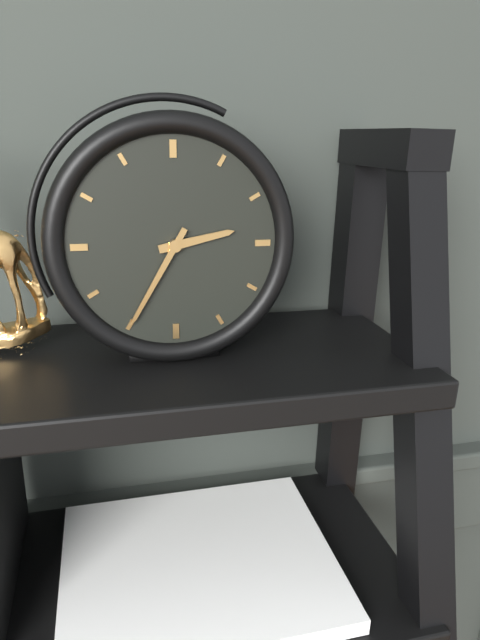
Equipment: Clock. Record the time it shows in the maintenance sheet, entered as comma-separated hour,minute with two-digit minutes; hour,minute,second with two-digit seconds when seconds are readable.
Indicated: 2,35
